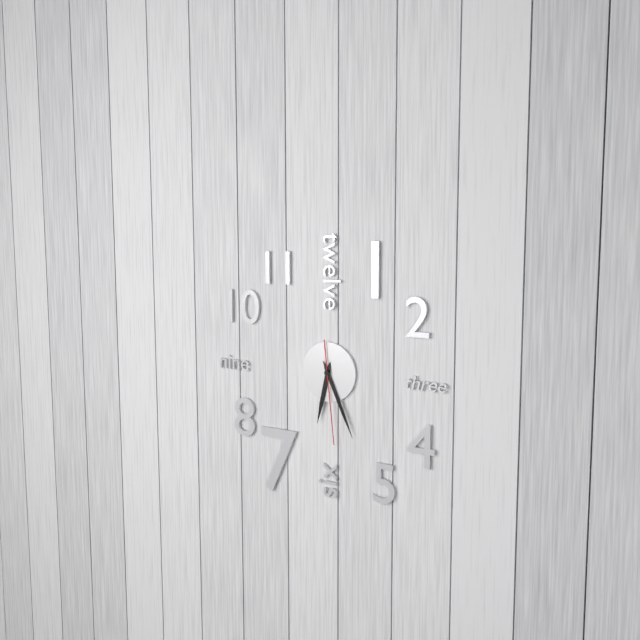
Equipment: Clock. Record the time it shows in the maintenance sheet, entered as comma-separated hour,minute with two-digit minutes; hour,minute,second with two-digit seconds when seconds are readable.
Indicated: 6,26,29
